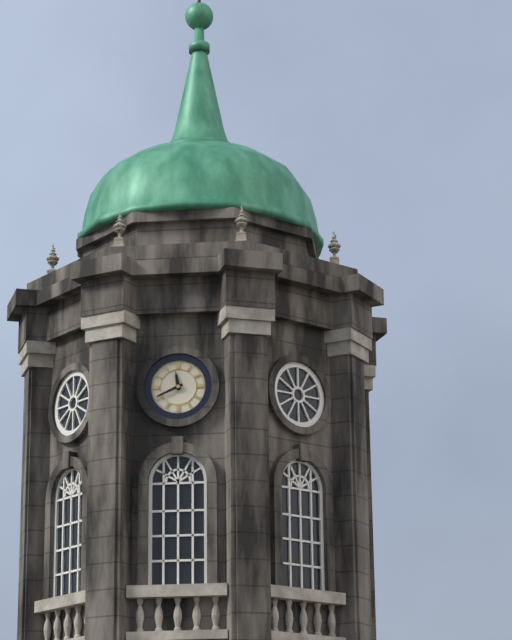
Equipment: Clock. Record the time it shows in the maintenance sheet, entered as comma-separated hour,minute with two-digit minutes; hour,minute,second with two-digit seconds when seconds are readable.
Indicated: 11,41
